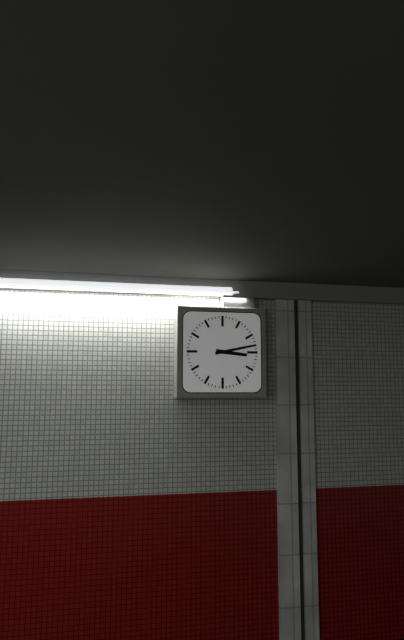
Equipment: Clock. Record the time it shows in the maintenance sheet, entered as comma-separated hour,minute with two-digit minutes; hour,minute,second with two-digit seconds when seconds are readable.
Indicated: 3,13
